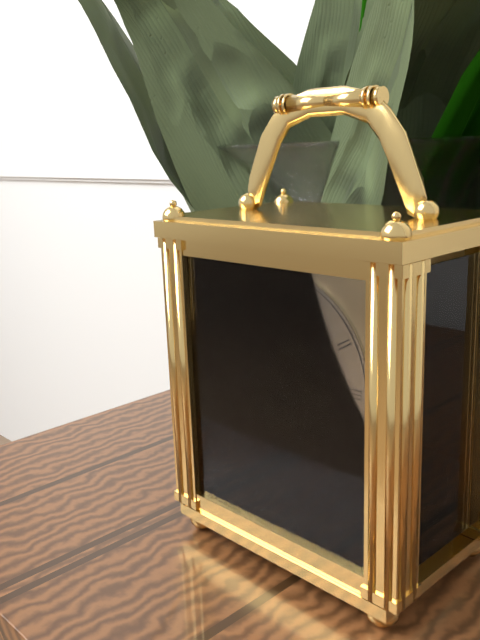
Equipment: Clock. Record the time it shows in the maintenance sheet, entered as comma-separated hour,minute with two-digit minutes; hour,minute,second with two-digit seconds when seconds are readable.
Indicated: 7,01
